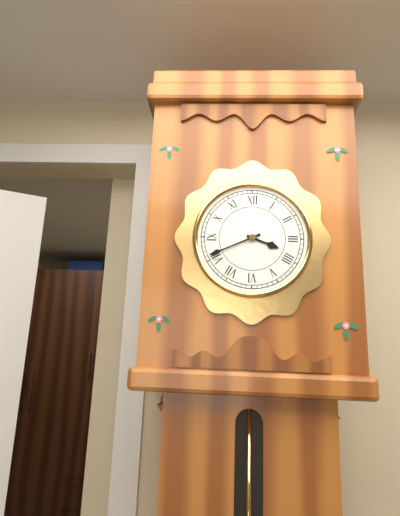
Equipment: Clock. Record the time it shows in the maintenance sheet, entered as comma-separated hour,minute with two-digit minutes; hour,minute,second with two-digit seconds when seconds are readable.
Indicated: 3,41
